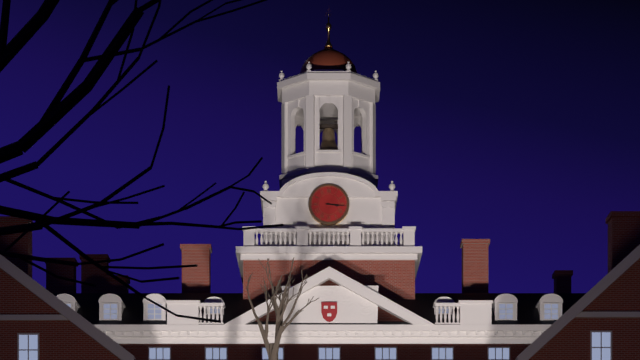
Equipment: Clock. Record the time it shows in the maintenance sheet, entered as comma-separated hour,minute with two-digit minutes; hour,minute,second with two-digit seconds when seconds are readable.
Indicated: 3,16
